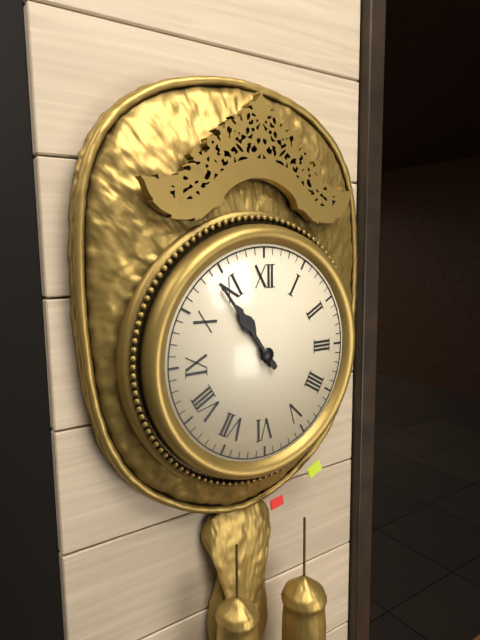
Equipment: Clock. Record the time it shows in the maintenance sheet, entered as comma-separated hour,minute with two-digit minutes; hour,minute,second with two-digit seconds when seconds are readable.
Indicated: 10,54
